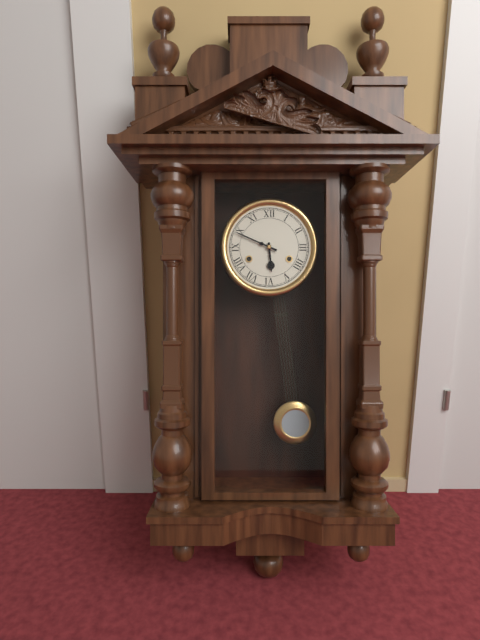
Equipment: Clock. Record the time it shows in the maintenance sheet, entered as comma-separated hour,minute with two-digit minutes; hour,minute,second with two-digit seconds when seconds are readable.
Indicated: 5,49
